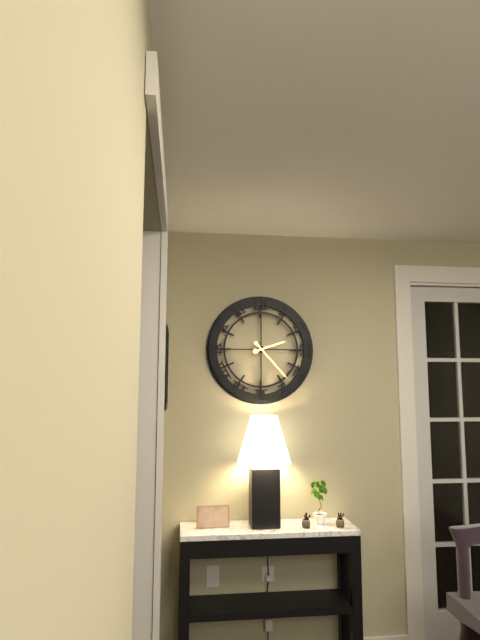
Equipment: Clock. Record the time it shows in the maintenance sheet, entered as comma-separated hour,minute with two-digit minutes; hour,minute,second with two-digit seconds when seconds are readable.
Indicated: 2,23
